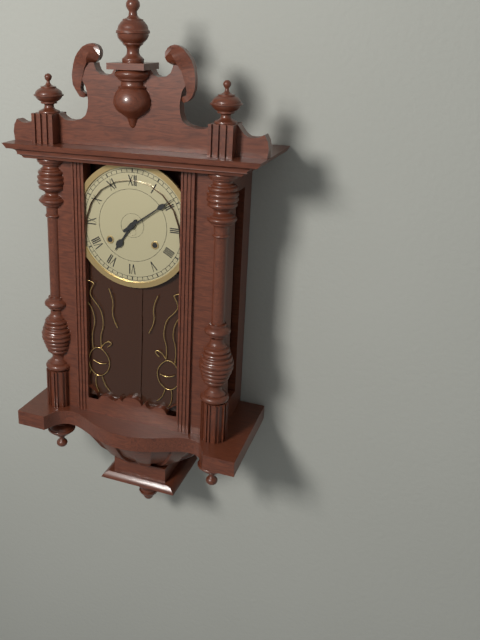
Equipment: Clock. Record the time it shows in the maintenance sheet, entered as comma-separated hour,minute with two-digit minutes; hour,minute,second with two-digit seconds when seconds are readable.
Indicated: 7,09
